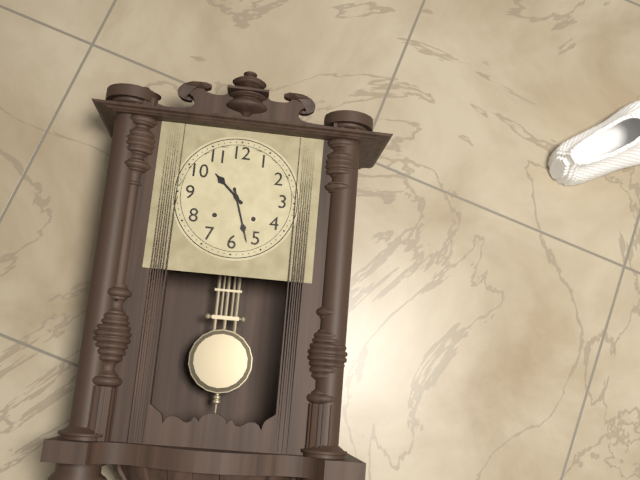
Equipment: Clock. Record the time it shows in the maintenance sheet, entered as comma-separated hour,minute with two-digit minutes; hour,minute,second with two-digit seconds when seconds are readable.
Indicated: 10,27
